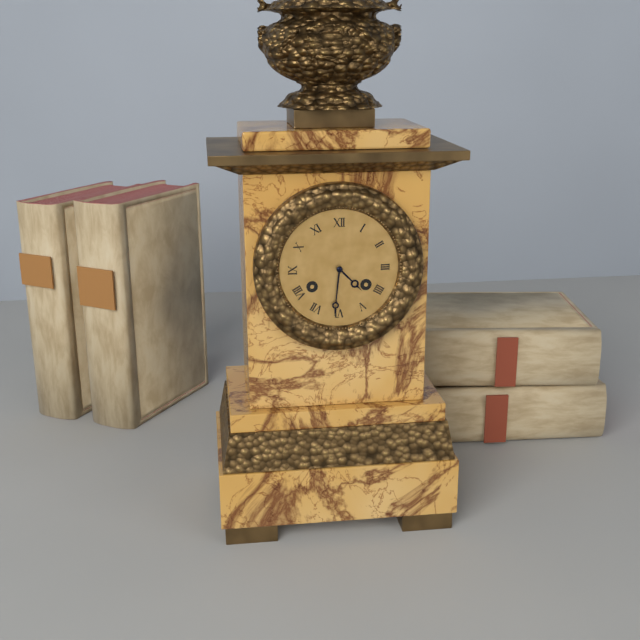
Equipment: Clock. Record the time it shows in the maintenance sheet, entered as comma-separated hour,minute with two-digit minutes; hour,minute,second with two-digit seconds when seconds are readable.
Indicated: 4,31
